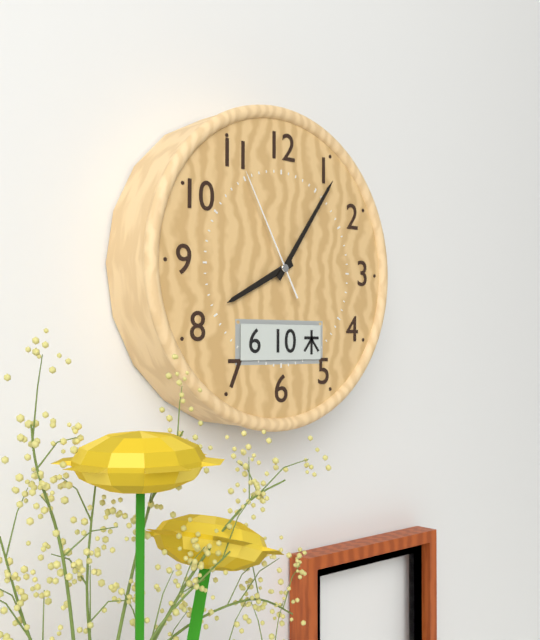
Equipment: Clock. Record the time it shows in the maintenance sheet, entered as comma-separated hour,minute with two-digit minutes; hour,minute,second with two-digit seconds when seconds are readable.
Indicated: 8,06,55
